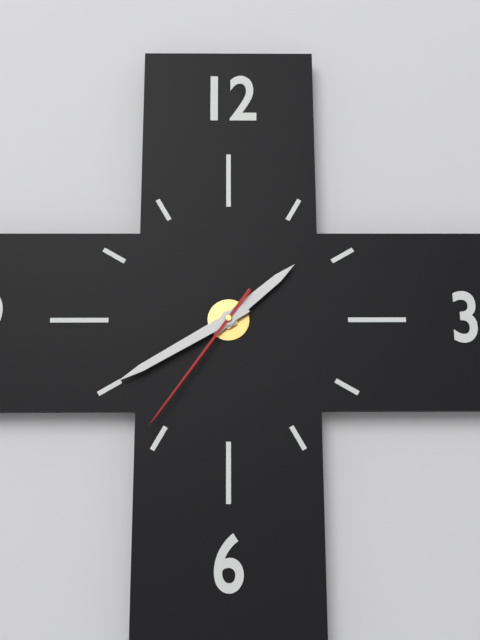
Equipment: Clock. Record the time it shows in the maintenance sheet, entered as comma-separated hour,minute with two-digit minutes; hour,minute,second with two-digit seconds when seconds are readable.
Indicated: 1,40,36
